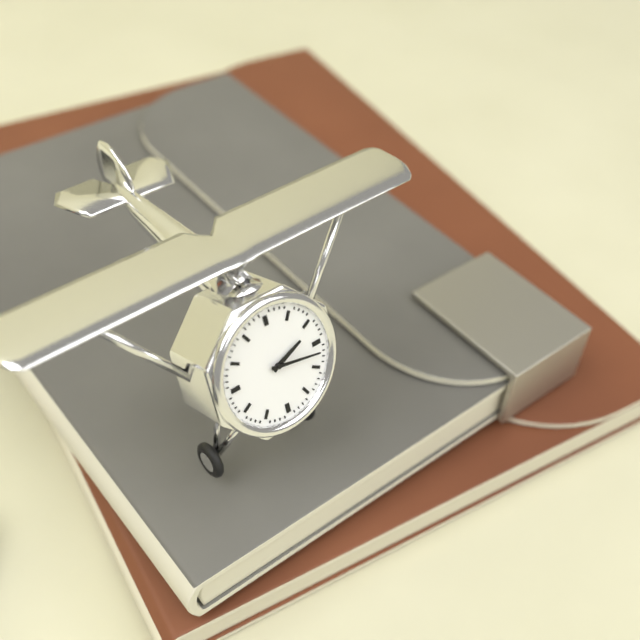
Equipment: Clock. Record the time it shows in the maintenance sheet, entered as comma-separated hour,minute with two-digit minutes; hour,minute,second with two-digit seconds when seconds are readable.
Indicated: 2,17
